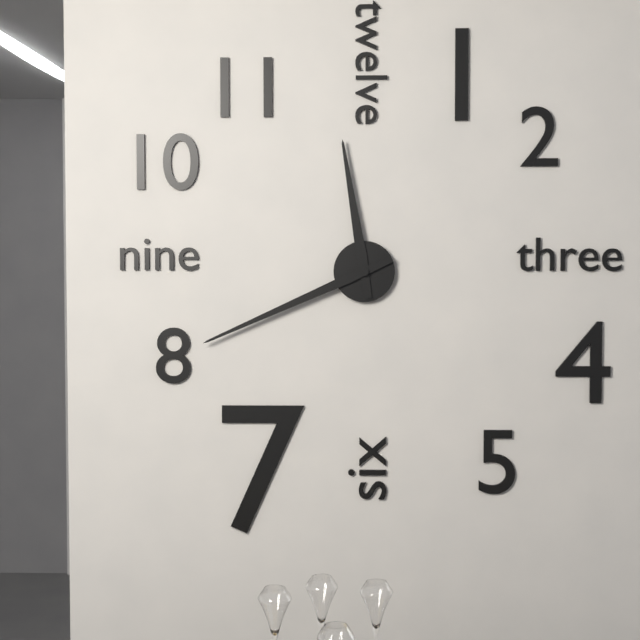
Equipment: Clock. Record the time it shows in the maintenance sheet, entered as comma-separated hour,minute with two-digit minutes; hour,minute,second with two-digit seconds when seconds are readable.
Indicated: 11,41
